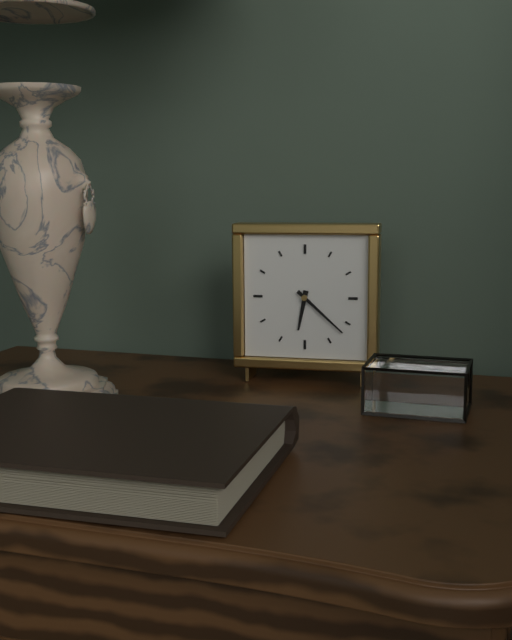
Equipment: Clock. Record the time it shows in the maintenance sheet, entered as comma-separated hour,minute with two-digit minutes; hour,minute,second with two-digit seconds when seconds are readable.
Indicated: 6,22
